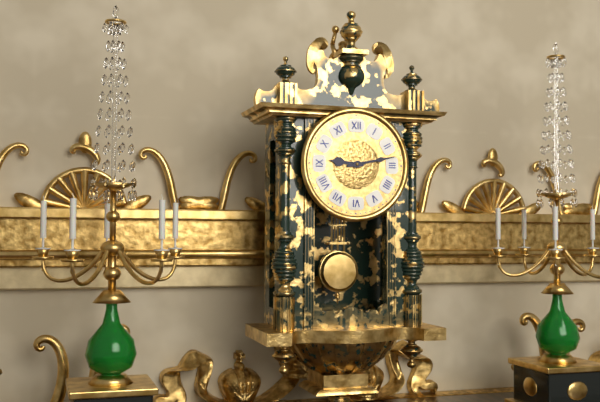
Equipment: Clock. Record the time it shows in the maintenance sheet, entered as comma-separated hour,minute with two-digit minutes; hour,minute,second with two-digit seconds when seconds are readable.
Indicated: 9,13
